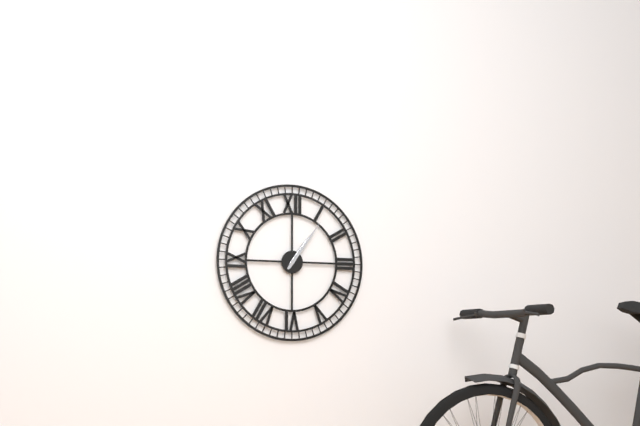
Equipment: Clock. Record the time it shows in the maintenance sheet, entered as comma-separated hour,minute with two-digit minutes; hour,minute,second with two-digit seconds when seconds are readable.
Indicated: 1,06
